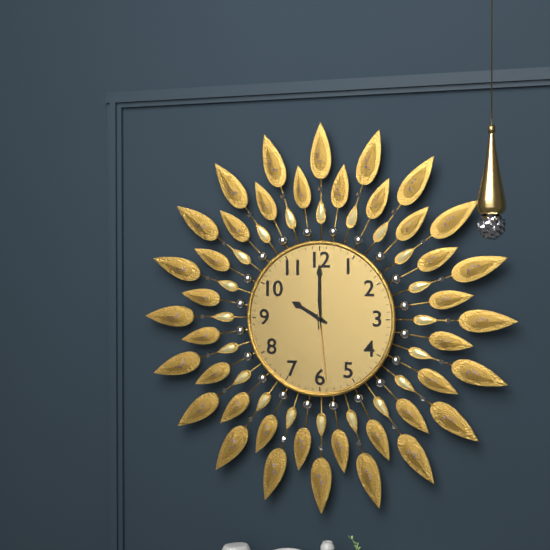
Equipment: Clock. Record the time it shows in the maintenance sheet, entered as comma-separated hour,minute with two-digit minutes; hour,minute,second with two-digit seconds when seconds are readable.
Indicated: 10,00,29
